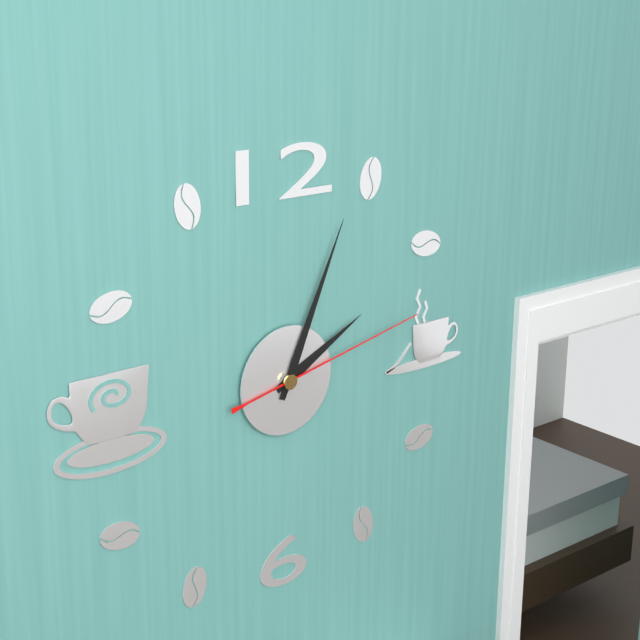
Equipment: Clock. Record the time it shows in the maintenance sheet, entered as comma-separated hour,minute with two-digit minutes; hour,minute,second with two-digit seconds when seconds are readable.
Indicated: 2,04,13
